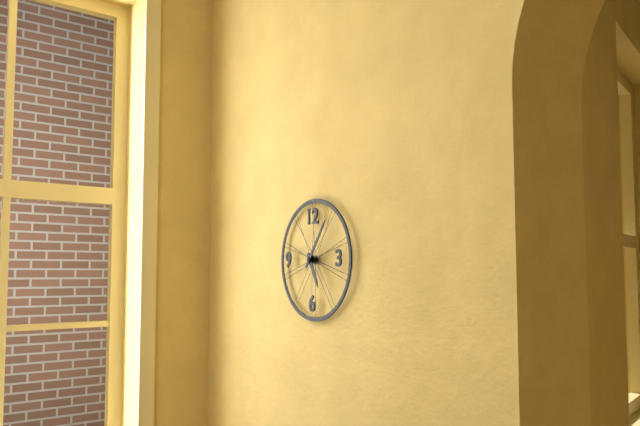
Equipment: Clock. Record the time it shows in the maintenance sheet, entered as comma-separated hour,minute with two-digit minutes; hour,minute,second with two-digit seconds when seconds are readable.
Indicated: 5,06
